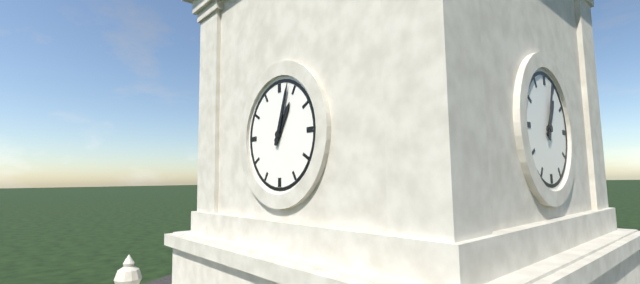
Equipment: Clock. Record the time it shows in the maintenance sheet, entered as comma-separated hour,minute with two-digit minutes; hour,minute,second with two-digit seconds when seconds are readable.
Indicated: 1,03
